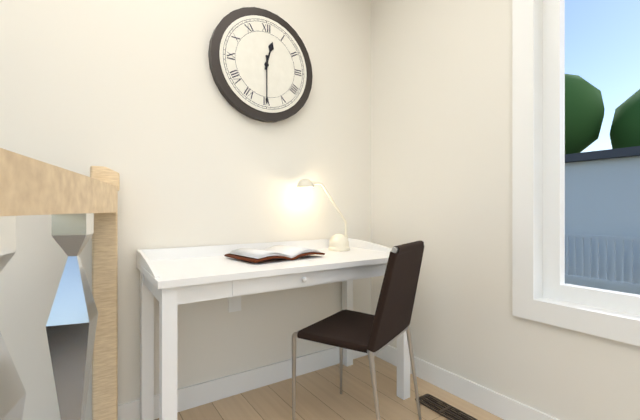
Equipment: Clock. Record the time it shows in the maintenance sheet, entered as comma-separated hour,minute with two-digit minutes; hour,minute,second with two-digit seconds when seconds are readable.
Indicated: 12,30
